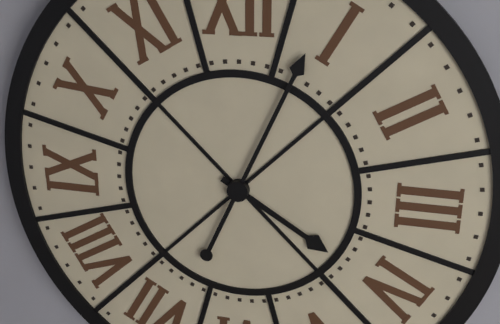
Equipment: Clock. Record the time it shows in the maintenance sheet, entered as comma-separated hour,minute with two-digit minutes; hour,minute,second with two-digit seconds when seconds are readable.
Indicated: 4,04
